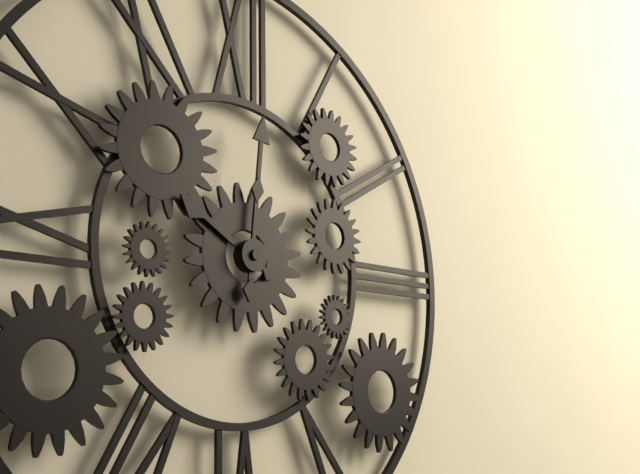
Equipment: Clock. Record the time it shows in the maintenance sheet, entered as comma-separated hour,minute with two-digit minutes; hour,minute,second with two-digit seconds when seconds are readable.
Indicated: 10,01
